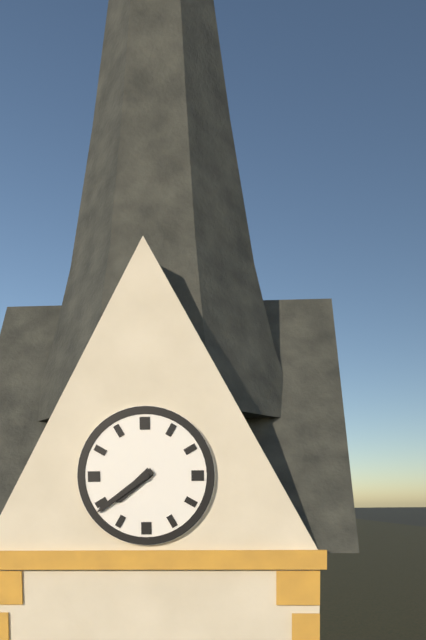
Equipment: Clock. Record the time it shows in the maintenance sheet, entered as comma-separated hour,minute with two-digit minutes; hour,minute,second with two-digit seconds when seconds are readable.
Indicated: 7,39
